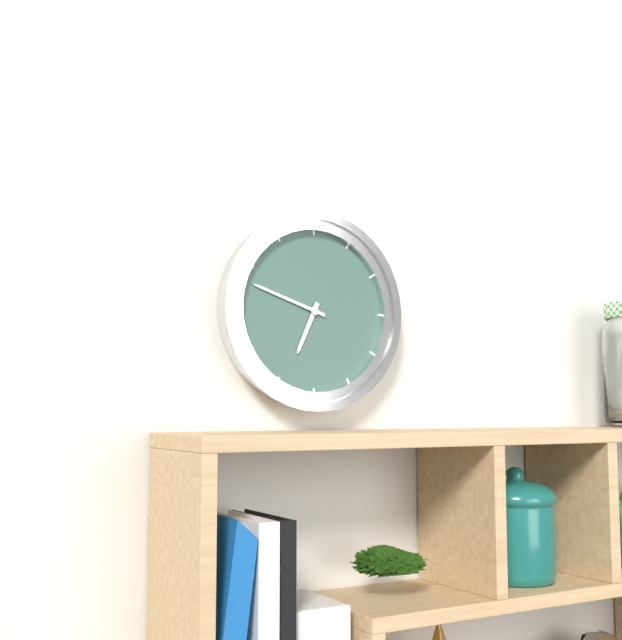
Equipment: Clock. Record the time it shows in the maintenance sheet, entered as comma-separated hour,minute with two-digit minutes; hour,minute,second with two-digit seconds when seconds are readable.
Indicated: 6,48
